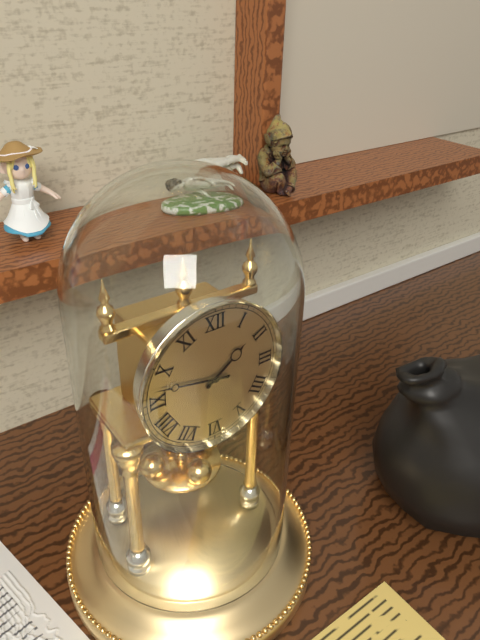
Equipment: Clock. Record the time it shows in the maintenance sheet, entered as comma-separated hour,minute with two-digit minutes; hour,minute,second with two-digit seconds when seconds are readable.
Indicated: 1,47
